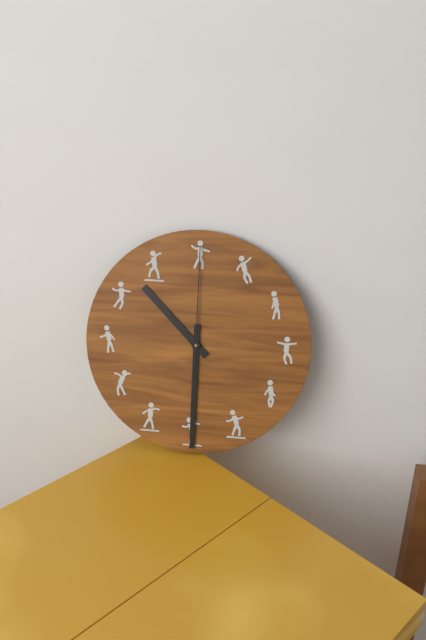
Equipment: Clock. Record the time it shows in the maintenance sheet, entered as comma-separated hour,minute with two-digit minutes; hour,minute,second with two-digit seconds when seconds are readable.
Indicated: 10,30,00
